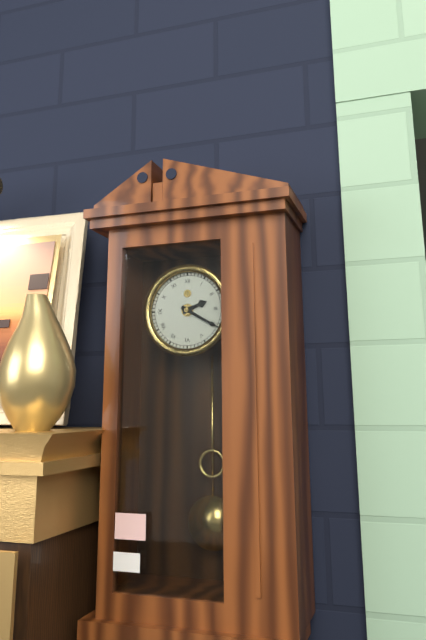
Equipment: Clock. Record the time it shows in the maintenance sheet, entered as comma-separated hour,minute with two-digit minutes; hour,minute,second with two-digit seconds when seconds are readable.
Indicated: 2,20
